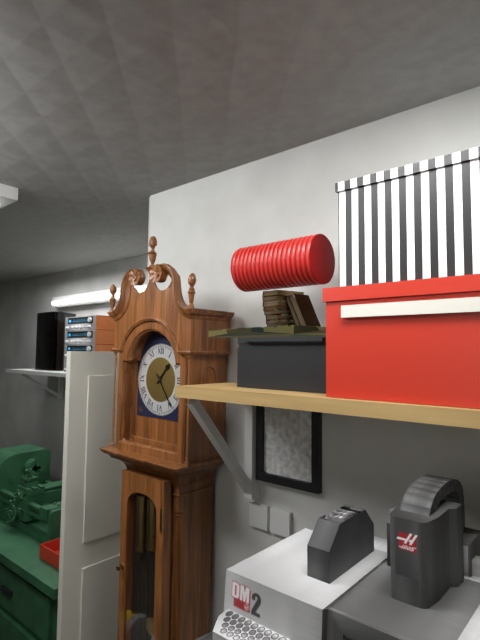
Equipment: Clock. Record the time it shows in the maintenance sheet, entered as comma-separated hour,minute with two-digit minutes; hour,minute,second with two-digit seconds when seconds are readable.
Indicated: 1,24
